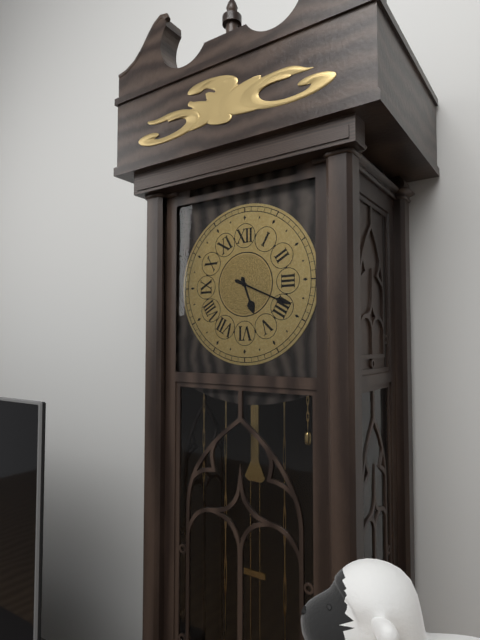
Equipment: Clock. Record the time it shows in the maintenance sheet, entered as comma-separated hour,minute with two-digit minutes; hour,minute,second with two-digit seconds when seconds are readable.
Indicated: 5,19
